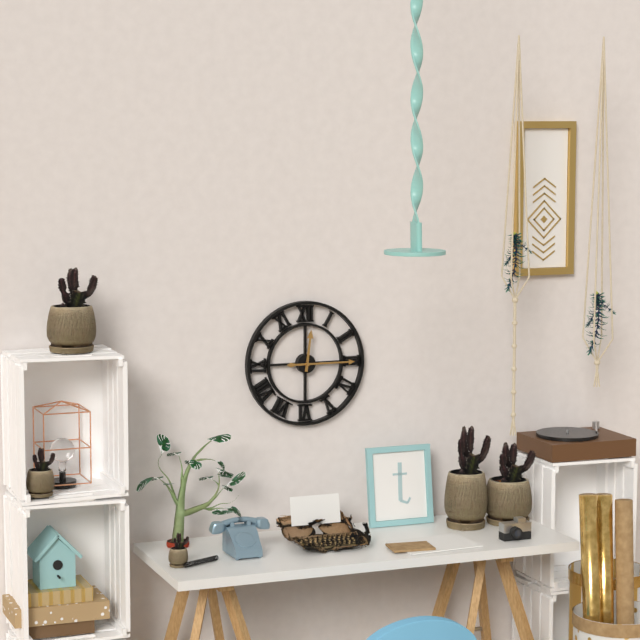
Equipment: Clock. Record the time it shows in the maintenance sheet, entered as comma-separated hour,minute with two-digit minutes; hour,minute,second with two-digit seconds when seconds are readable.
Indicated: 12,15
